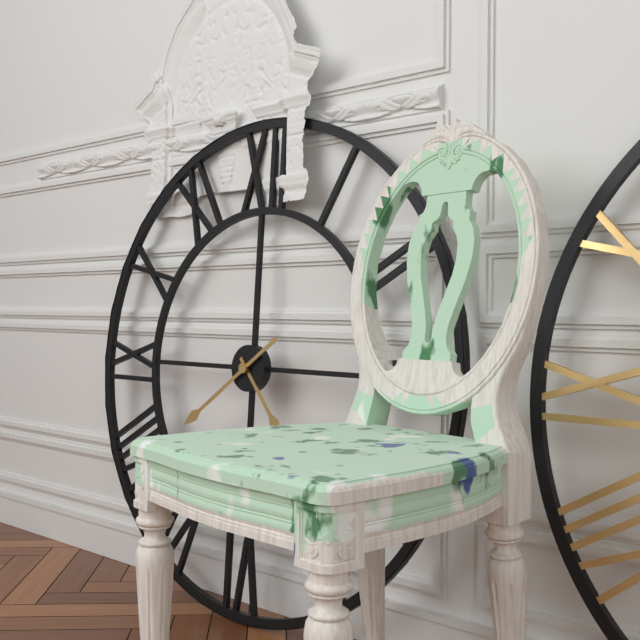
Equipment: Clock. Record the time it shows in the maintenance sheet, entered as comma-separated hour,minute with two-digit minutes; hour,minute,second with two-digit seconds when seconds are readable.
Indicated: 4,39
